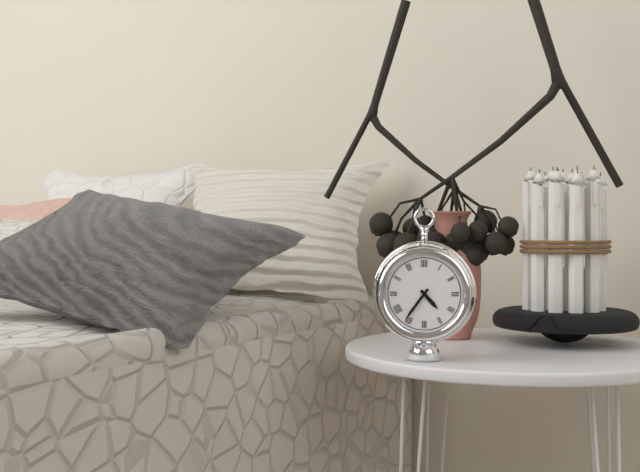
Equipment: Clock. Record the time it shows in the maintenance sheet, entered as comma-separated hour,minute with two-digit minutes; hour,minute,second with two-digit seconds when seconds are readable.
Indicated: 4,36
